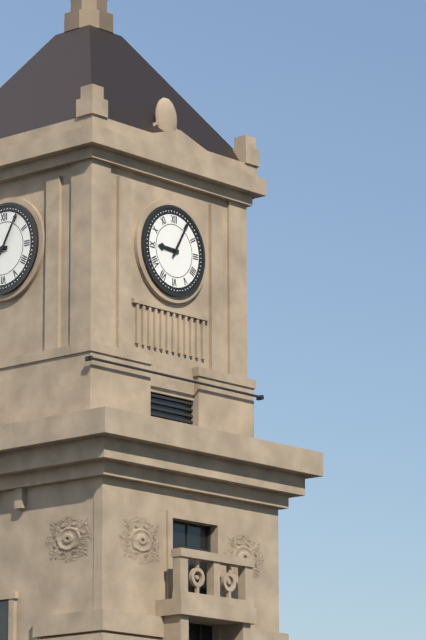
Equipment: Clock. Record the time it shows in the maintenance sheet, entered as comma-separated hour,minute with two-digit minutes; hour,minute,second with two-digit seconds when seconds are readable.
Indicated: 9,05
